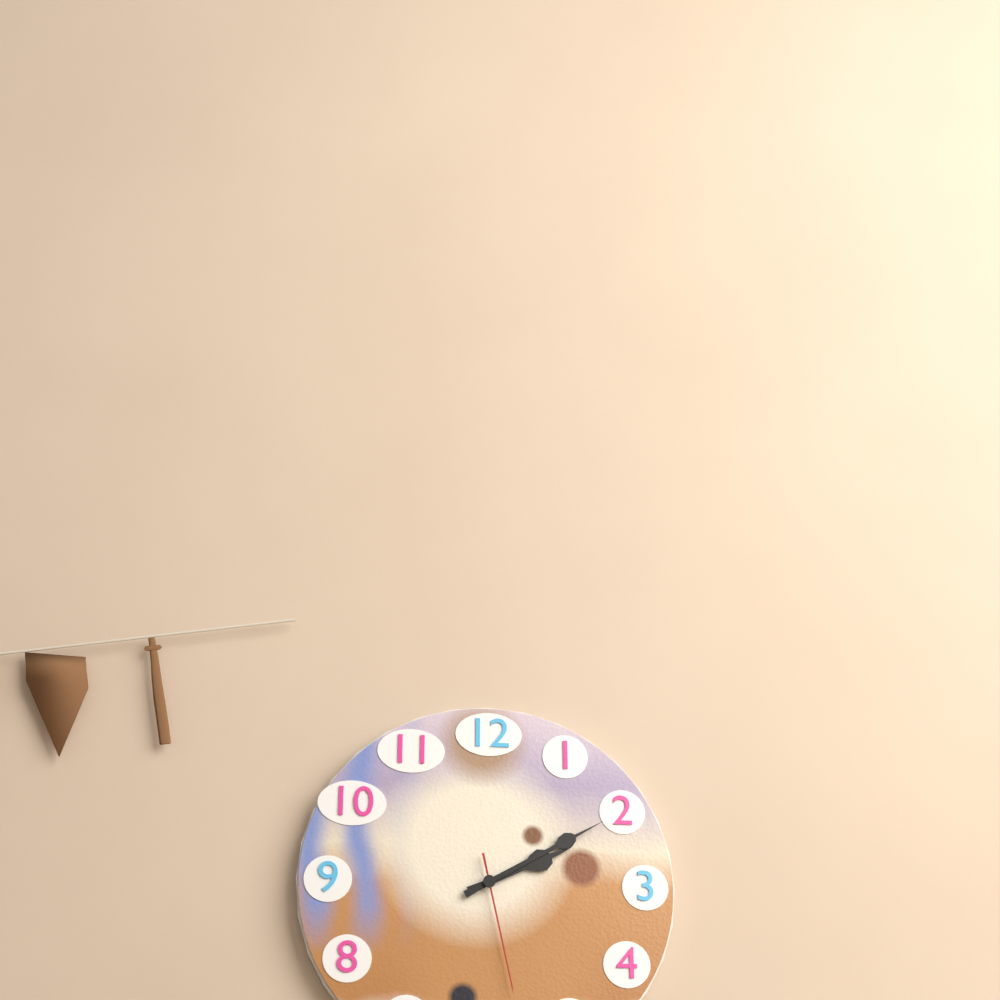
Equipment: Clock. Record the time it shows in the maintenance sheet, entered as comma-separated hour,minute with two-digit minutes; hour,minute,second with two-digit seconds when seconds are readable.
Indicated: 2,10,28
